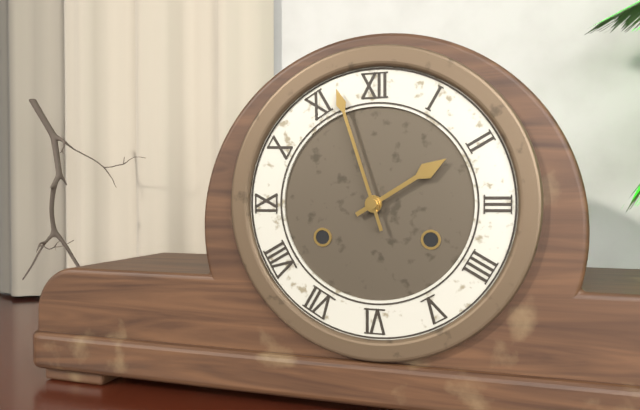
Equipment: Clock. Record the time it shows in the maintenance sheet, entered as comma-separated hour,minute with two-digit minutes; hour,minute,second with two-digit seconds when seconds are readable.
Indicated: 1,57
